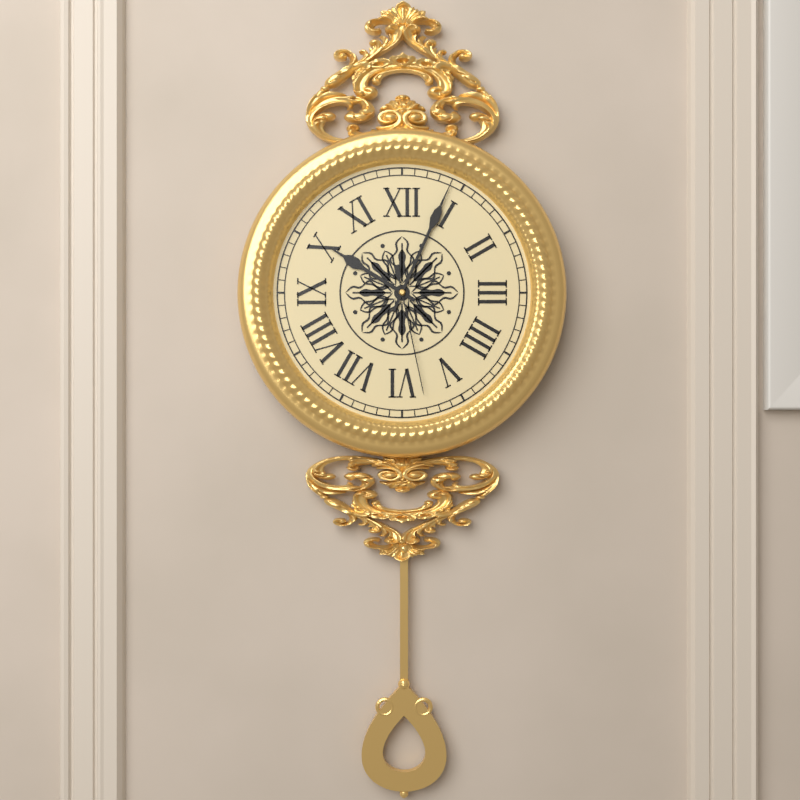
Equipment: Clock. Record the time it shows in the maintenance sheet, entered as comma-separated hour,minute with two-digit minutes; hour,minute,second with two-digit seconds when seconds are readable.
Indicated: 10,04,28
